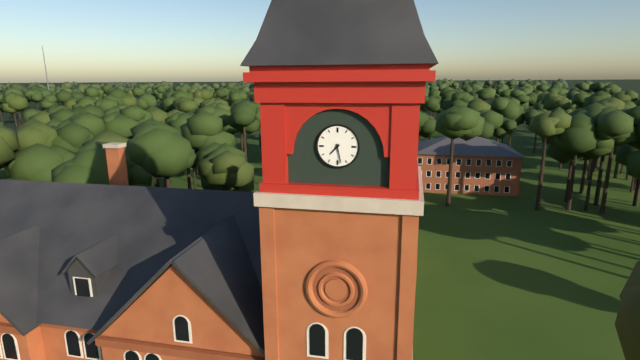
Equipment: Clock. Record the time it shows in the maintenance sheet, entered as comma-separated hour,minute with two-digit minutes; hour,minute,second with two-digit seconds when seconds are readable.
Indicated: 7,28
